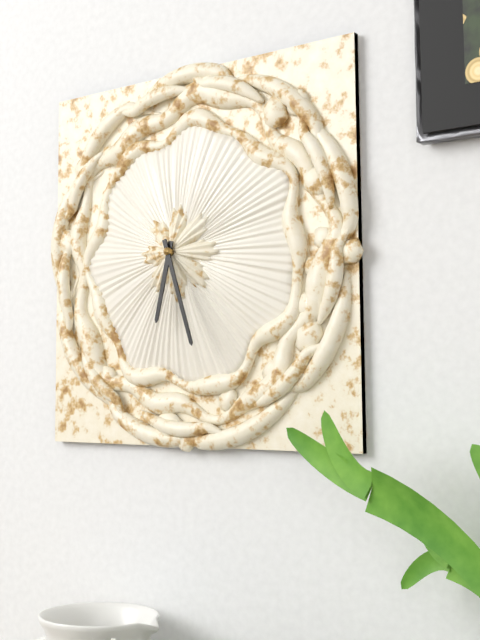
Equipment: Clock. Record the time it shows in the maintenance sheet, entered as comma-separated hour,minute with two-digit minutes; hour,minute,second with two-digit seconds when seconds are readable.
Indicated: 6,27
